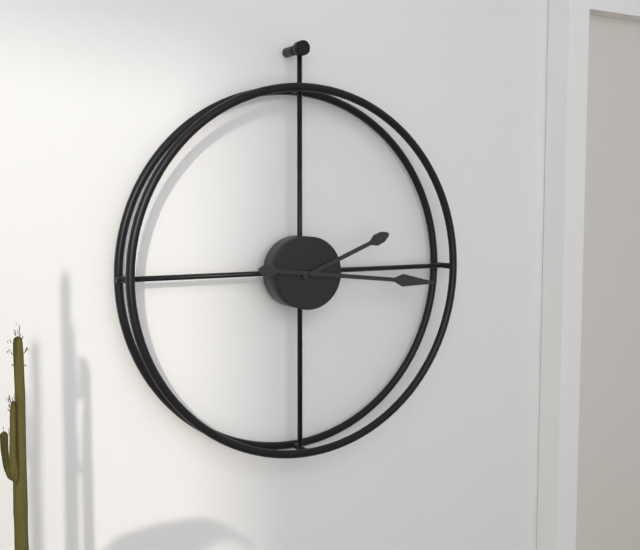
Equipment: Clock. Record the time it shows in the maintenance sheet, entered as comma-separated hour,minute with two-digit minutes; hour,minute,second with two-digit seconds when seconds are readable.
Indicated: 2,16
